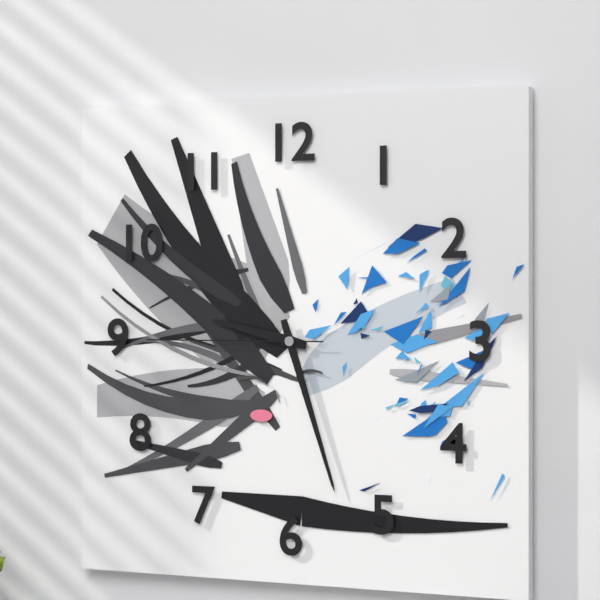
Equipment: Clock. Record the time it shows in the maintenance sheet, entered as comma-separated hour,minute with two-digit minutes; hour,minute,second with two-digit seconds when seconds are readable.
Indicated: 9,27,45
